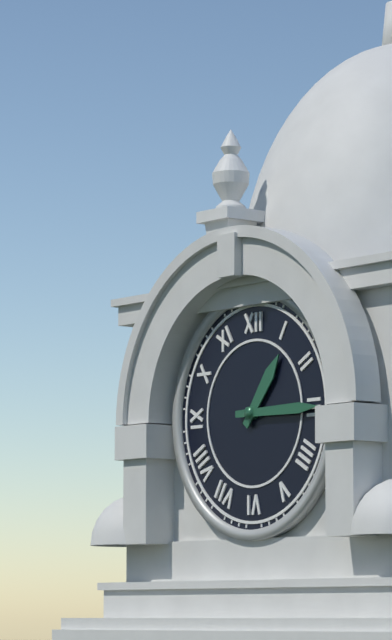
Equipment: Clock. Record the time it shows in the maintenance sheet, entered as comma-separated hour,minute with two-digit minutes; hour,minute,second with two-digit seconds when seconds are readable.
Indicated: 1,15
